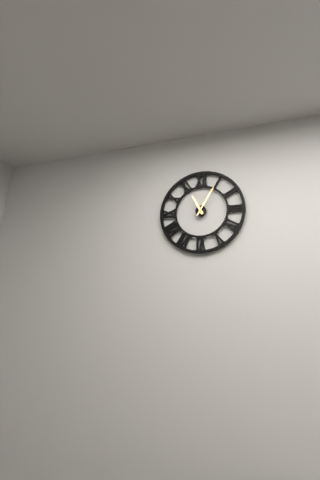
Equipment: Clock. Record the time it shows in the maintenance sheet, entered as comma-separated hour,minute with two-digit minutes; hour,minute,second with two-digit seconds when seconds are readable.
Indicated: 11,05
